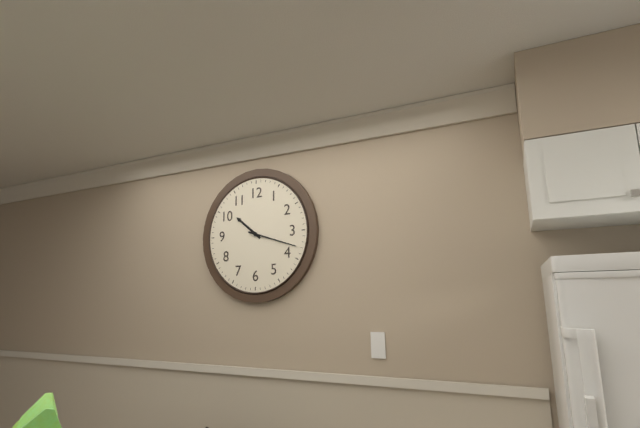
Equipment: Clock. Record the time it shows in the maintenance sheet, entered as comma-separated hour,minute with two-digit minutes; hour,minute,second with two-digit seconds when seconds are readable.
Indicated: 10,18
